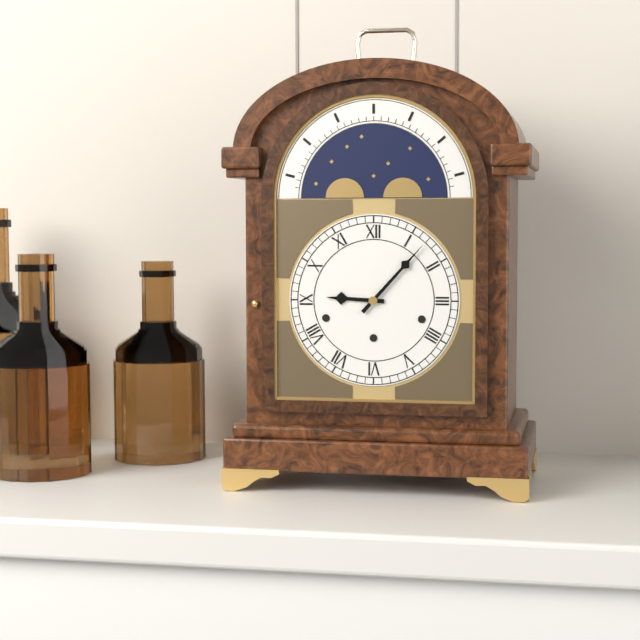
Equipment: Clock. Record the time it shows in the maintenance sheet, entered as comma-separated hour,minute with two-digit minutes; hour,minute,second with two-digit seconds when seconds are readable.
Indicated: 9,07
